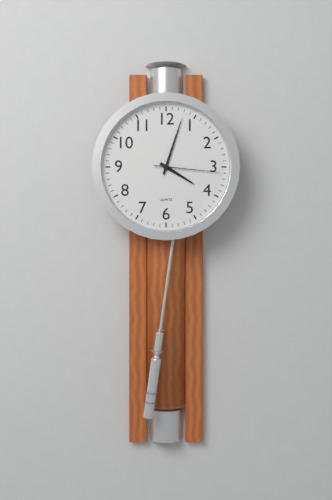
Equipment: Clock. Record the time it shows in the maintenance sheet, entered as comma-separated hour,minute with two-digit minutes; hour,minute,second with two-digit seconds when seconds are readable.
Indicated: 4,03,16
